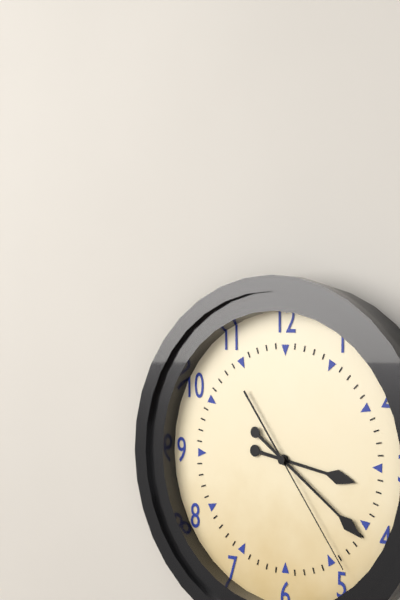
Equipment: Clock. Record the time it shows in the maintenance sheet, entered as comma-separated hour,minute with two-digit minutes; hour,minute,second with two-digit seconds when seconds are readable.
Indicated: 3,21,24
